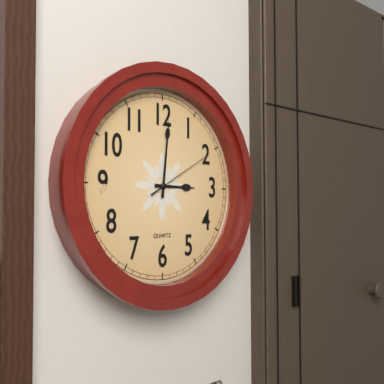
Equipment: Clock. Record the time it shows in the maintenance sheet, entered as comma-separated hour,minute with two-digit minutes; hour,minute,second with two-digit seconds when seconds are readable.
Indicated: 3,01,10
